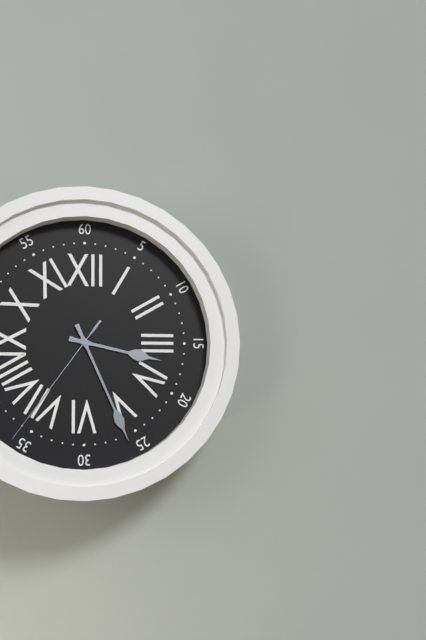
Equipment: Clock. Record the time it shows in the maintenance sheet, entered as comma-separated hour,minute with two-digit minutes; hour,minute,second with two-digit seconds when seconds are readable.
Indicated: 3,26,36
